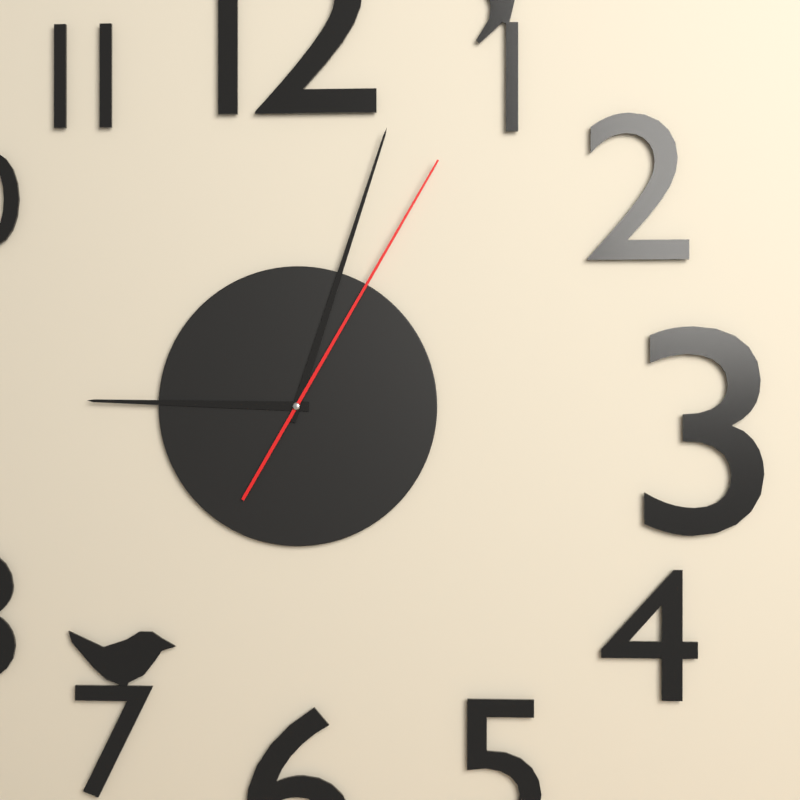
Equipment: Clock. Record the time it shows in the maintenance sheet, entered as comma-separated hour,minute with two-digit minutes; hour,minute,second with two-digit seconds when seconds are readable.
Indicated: 9,03,05
